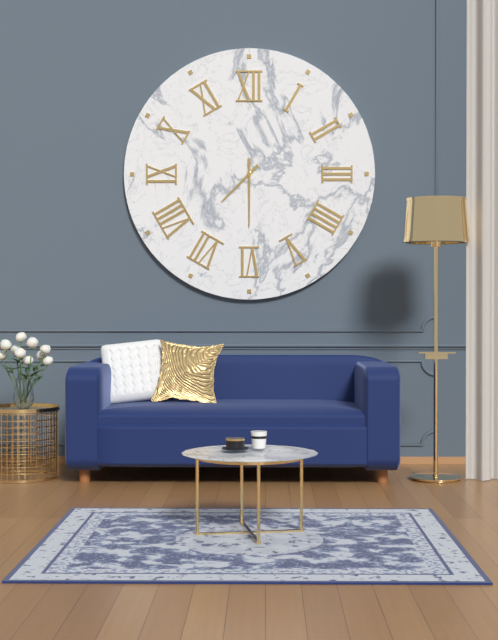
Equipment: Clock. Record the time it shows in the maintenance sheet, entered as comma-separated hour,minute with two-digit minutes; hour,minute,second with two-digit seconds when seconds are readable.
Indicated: 7,30
